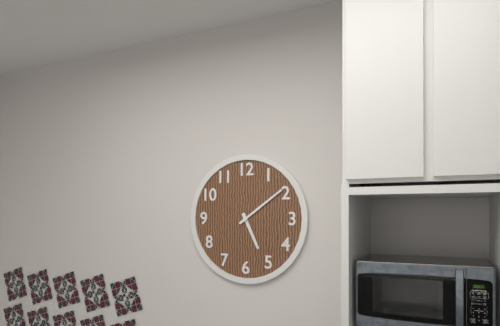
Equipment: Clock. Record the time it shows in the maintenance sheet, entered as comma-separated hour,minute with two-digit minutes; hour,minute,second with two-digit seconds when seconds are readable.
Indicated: 5,09
